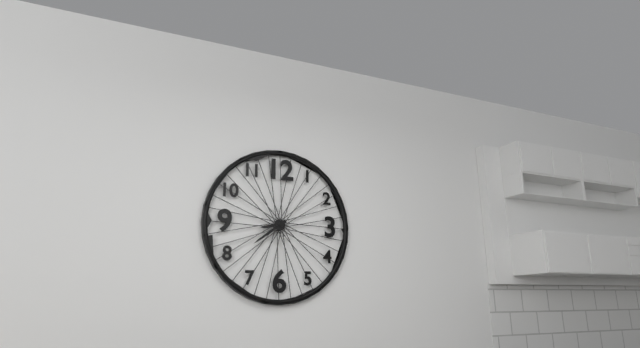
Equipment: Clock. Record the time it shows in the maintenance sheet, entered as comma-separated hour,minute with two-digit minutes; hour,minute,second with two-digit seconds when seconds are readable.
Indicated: 8,39
